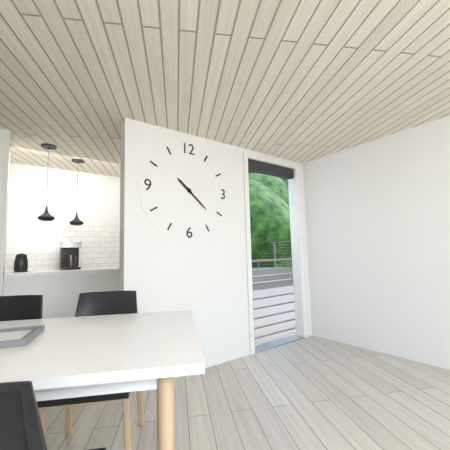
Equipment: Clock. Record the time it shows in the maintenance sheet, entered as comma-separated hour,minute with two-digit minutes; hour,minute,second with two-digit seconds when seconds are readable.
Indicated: 10,22
